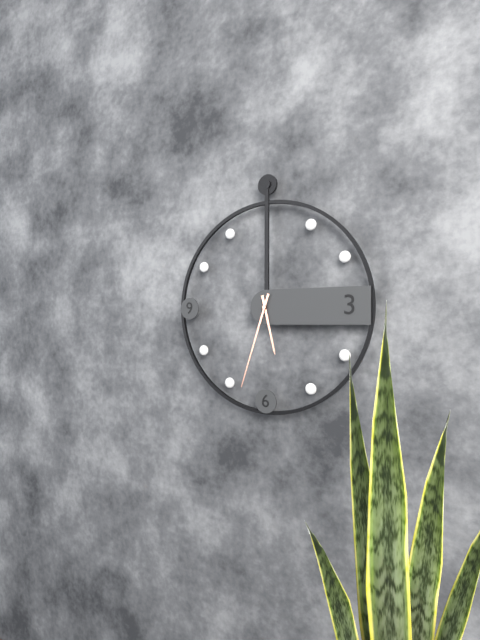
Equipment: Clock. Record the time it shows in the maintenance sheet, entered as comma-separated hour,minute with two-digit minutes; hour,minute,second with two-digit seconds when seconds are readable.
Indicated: 5,33
